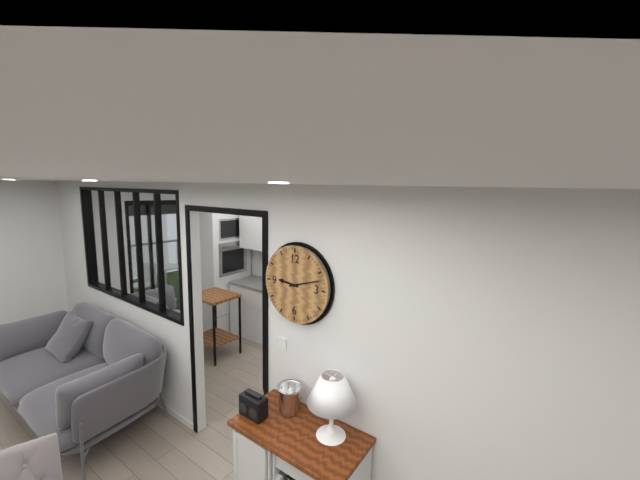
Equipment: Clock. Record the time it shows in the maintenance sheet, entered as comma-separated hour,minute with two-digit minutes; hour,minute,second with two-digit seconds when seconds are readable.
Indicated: 9,12
